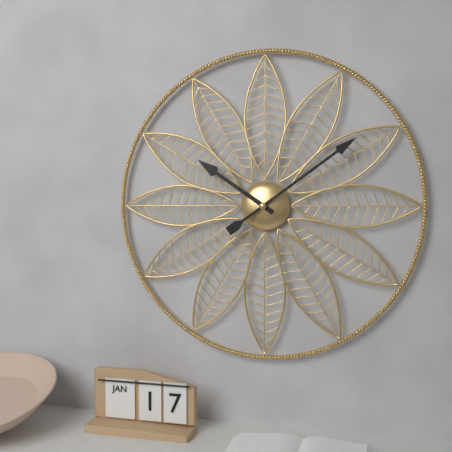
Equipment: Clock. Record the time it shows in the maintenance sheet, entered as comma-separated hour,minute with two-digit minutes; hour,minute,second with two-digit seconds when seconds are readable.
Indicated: 10,09
